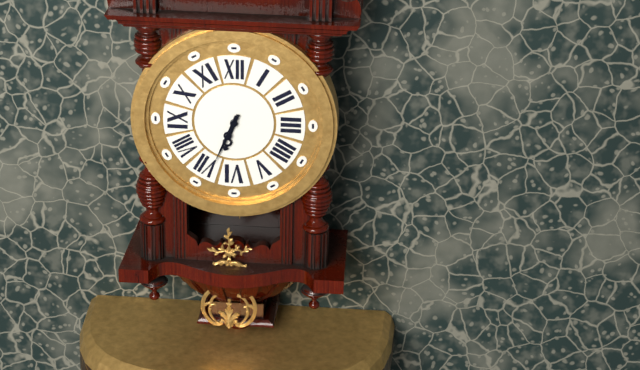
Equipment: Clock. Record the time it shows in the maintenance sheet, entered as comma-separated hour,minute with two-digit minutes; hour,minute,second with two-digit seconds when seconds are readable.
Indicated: 6,34
